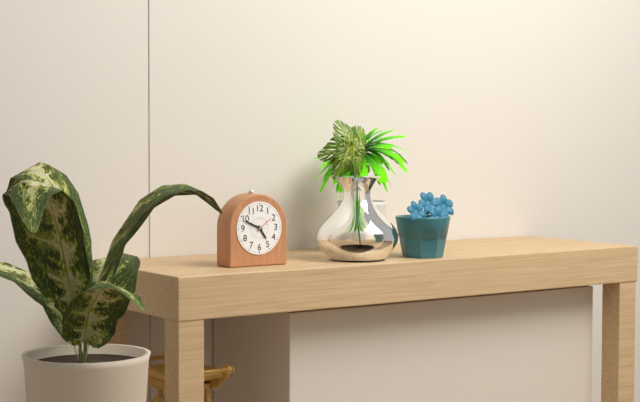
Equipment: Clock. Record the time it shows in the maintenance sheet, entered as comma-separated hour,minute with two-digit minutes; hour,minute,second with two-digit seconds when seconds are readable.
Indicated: 4,49
